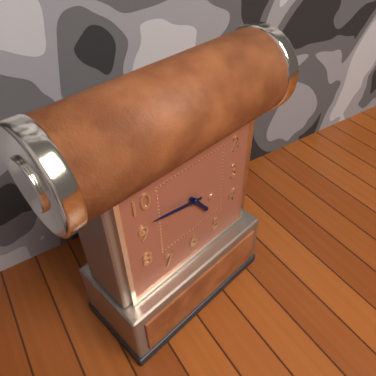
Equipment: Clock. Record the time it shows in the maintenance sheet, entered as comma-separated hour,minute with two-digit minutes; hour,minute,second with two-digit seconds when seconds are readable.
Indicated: 4,47
